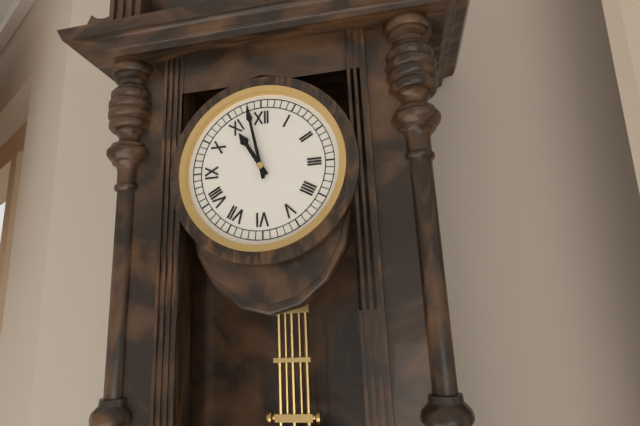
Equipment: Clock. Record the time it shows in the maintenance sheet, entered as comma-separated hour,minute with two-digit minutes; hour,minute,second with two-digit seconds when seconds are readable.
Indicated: 10,58
